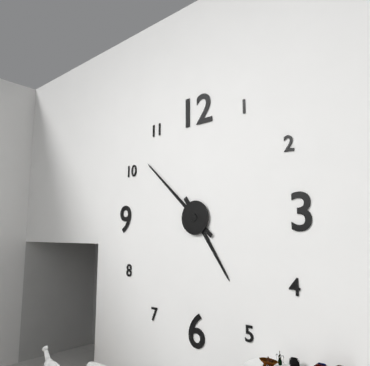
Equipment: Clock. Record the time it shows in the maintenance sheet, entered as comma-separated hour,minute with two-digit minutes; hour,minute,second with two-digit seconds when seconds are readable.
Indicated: 4,52
